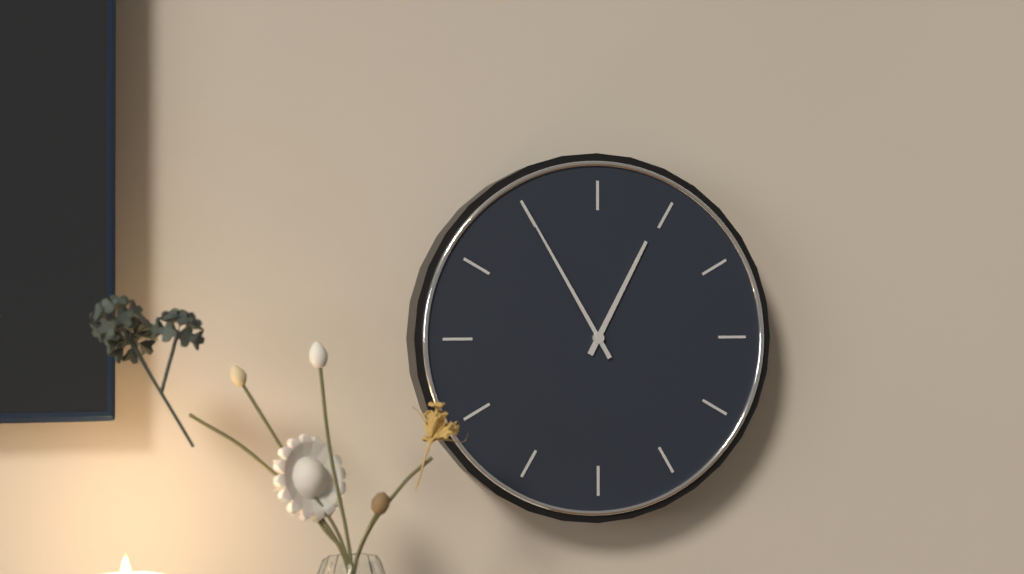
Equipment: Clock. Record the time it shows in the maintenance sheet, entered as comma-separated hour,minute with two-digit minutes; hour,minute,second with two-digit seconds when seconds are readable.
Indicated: 12,55
